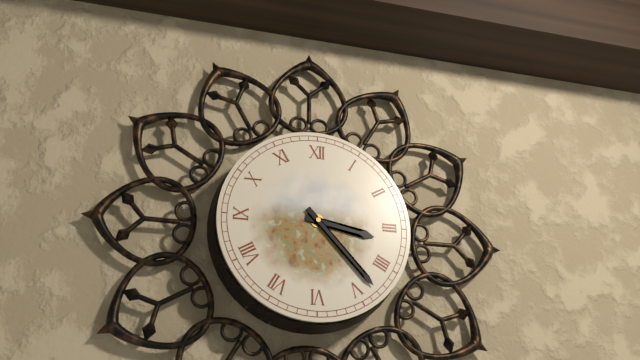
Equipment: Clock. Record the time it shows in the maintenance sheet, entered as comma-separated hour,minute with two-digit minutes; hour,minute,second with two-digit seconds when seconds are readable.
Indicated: 3,23
